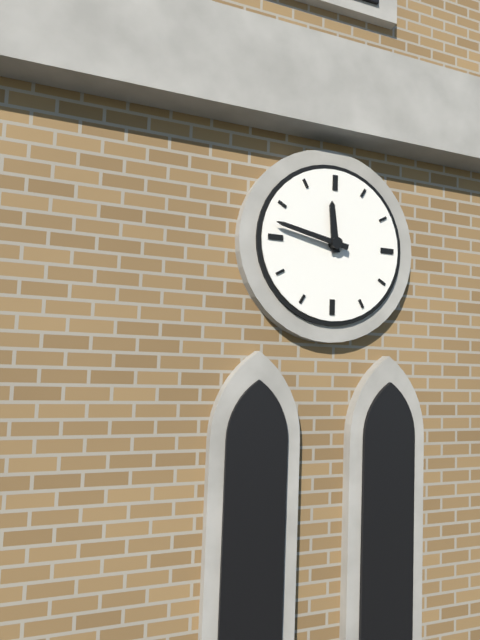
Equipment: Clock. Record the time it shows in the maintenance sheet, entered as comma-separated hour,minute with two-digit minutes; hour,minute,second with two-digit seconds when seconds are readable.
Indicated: 11,47
